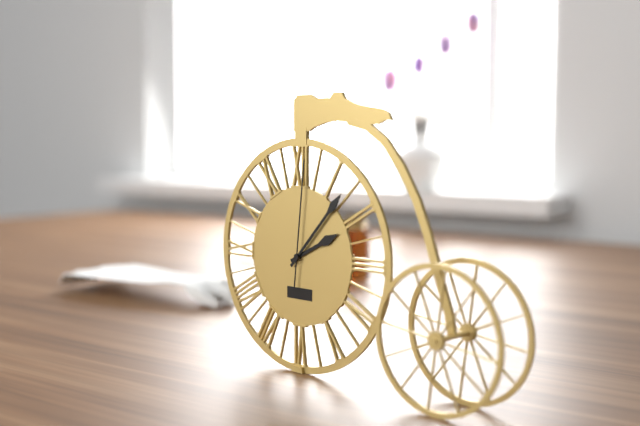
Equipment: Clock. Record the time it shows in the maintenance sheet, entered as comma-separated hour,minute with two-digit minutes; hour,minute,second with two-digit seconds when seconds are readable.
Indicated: 2,07,01
